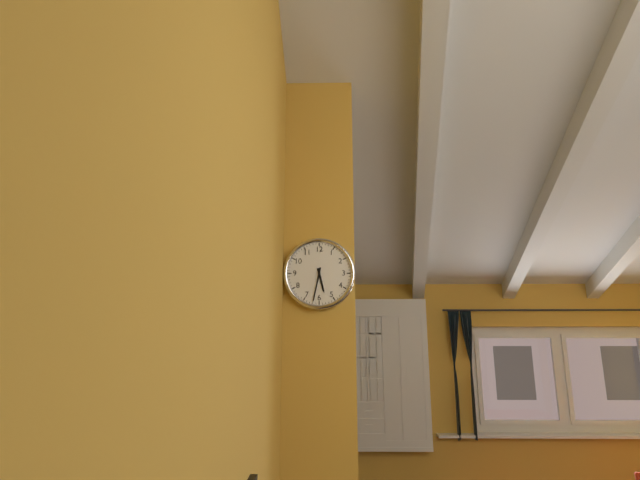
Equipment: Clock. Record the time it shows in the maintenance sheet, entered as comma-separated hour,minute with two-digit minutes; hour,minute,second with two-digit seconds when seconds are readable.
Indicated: 5,32
